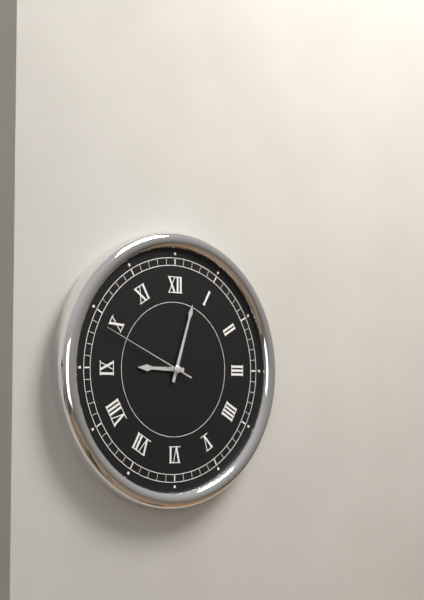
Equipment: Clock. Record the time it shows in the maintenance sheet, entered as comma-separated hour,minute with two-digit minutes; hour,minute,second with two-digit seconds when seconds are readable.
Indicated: 9,03,49
